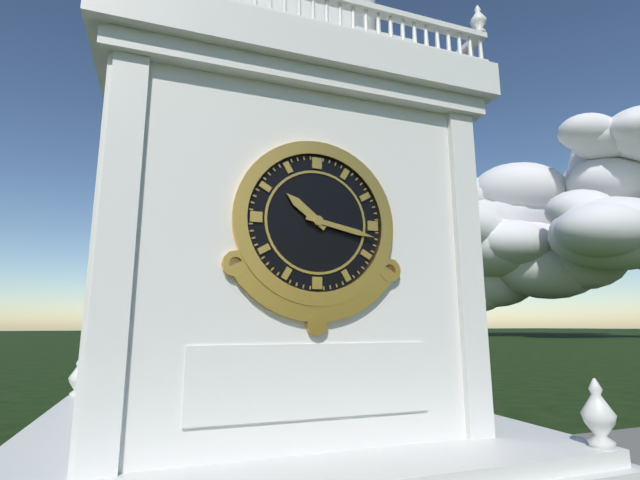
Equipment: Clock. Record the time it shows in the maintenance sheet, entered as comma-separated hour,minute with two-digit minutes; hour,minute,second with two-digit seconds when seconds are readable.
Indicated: 10,17
